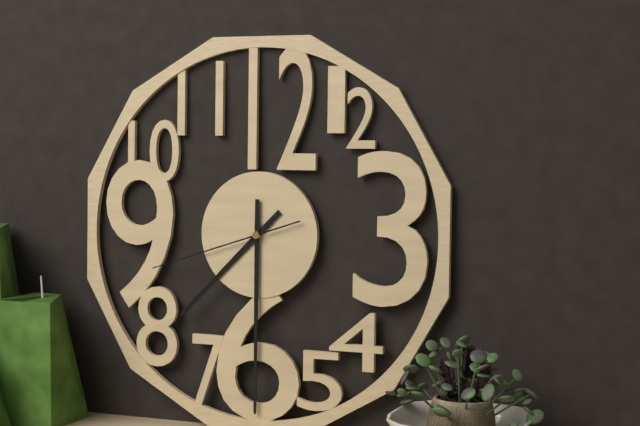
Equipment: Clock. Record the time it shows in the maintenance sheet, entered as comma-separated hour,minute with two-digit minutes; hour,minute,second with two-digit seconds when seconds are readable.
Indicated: 7,30,42
